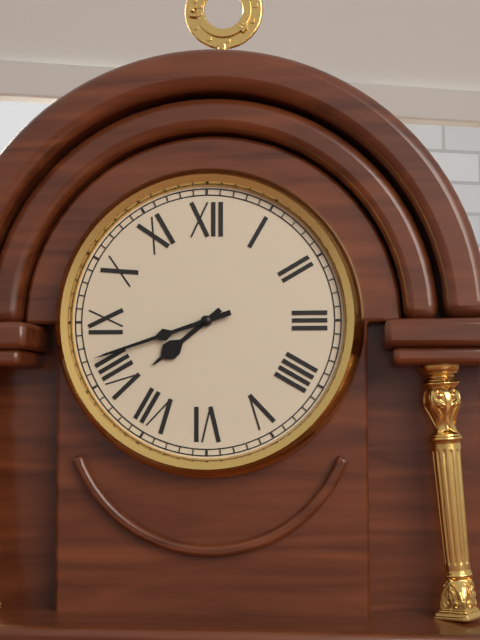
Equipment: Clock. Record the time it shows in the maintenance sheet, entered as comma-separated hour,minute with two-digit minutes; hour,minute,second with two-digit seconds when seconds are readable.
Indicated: 7,42
